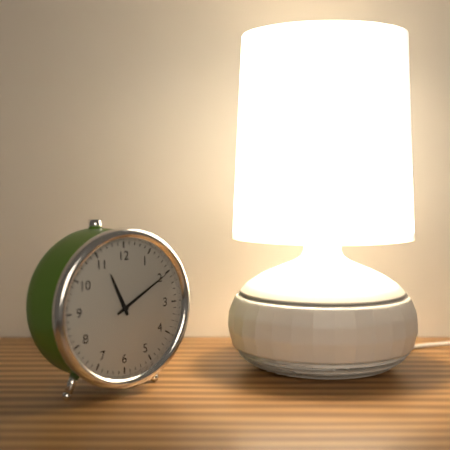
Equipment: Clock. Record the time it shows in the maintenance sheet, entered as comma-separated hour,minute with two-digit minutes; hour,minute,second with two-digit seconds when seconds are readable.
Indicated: 11,10
